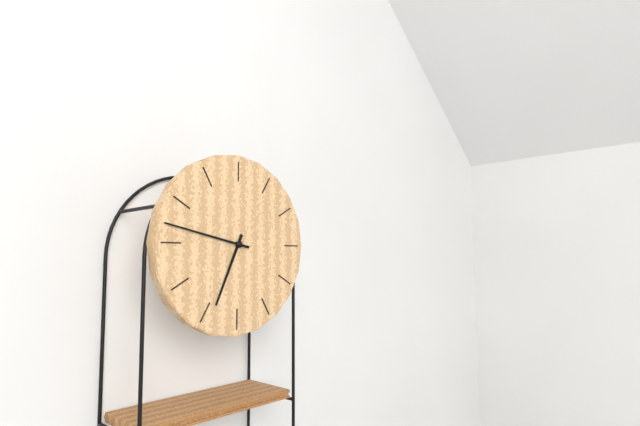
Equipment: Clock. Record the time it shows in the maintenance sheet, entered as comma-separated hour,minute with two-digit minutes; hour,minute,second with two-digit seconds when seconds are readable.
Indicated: 6,47
